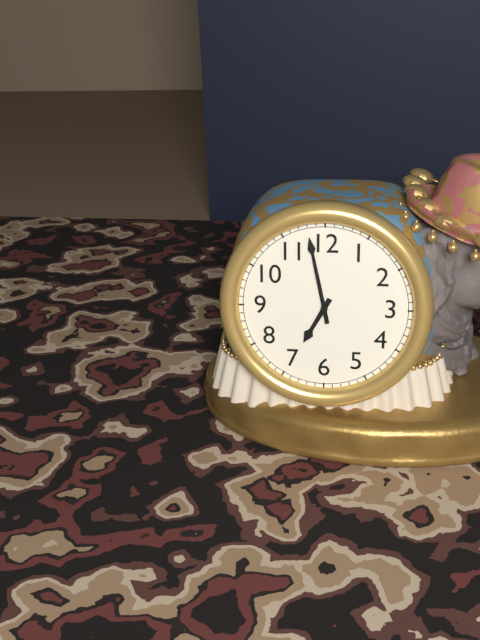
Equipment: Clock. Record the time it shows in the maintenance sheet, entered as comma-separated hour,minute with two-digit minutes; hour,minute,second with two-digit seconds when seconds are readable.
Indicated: 6,58
